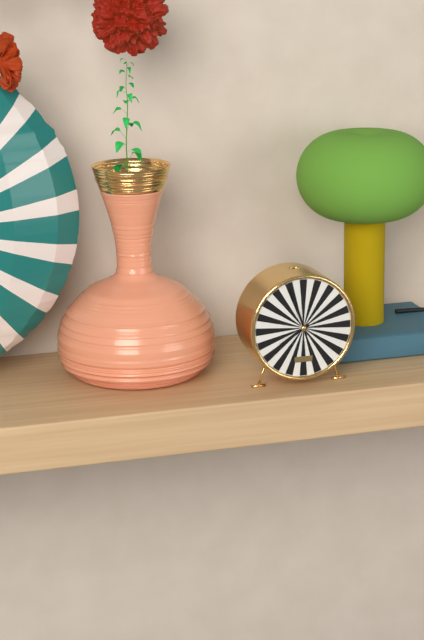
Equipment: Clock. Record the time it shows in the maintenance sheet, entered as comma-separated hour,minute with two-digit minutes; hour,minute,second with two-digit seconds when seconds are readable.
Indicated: 7,57
